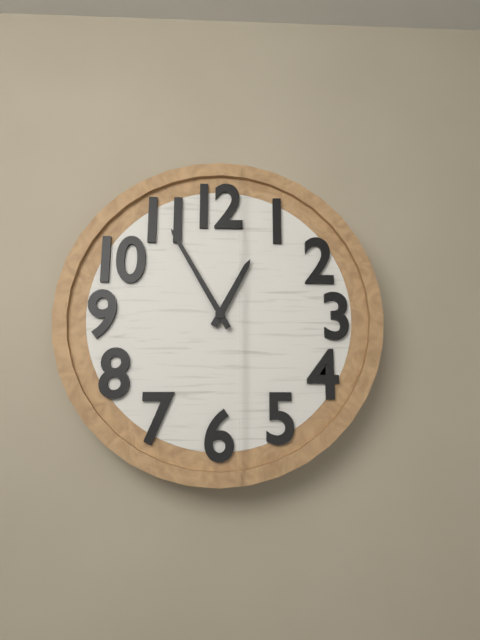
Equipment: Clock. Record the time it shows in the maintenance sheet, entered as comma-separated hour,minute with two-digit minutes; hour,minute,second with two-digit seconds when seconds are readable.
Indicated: 12,55
